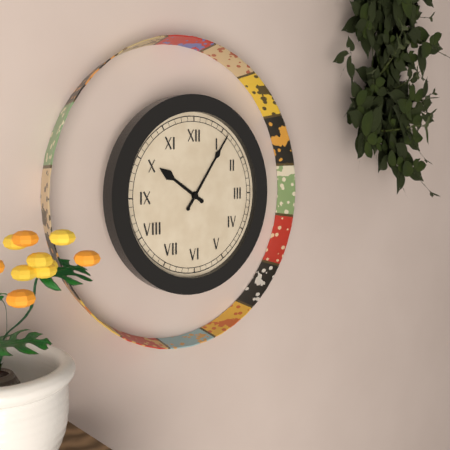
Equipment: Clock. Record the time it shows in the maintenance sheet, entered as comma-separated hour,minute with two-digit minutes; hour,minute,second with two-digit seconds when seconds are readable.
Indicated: 10,06
